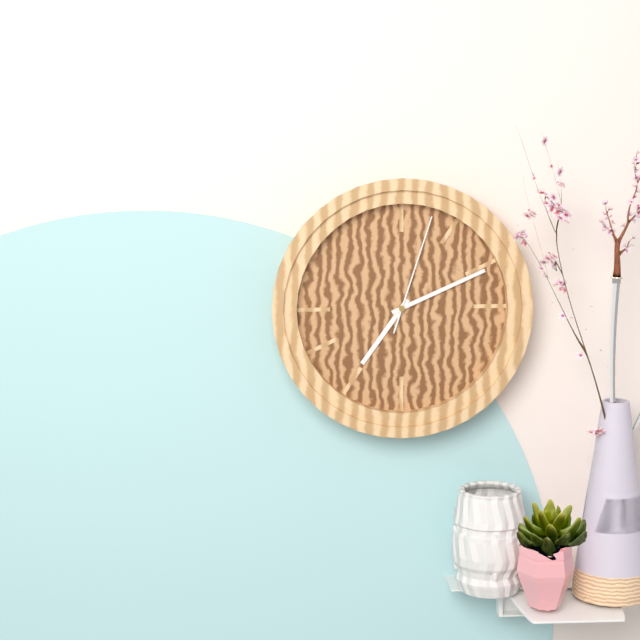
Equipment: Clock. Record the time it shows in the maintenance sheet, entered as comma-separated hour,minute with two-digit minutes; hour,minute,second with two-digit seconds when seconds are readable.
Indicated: 7,11,03
